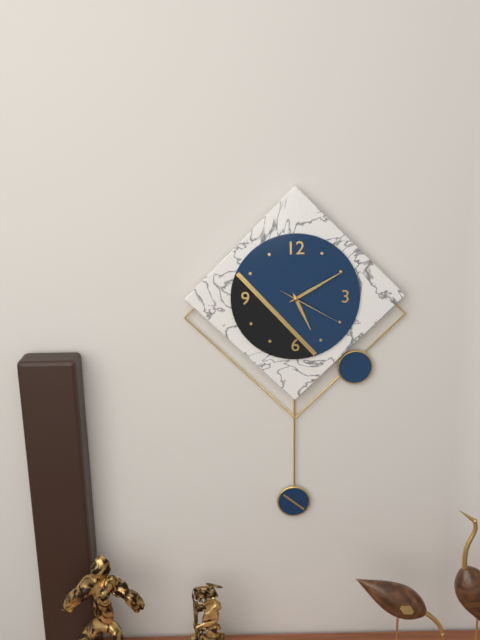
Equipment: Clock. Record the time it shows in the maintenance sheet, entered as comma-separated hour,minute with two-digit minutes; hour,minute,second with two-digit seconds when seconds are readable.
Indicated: 5,10,20
